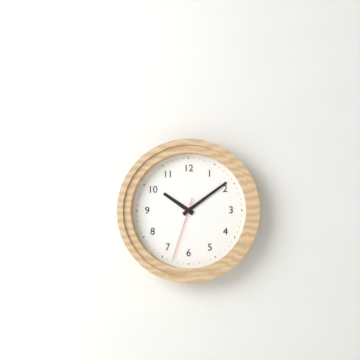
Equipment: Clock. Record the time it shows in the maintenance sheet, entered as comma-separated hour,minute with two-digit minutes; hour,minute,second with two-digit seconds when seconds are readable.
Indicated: 10,09,33
